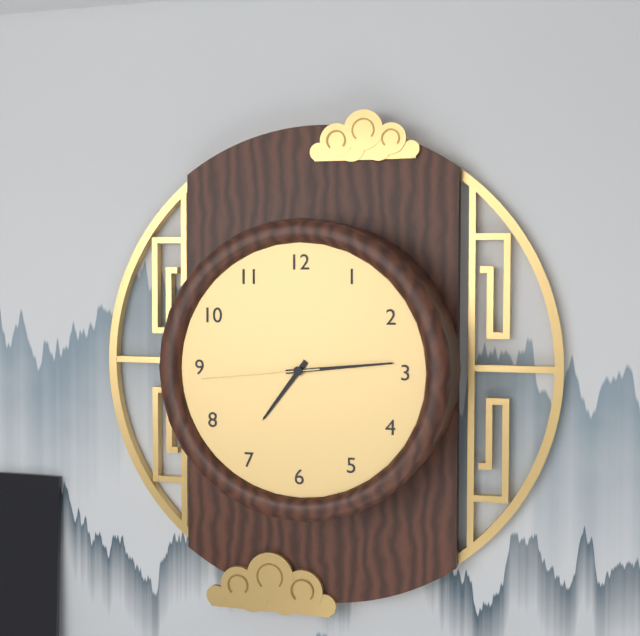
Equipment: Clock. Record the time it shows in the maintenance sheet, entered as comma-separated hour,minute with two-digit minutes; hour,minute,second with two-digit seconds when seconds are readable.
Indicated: 7,14,44
